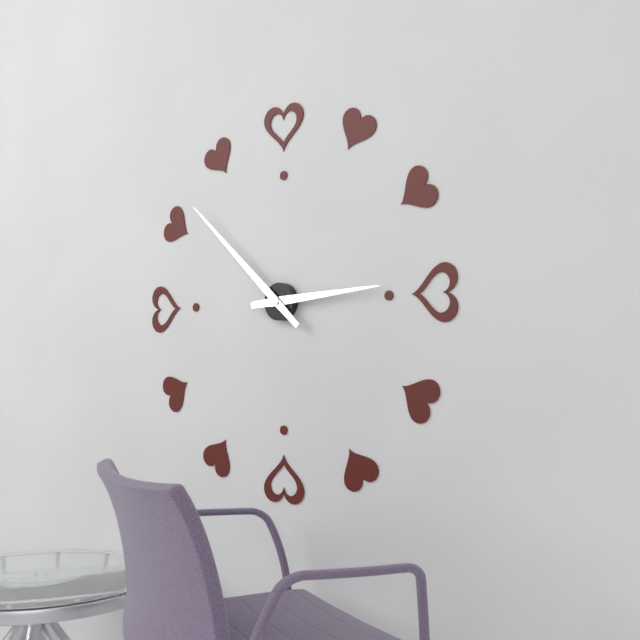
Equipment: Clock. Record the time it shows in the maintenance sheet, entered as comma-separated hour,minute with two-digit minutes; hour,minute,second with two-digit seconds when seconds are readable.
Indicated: 2,52
